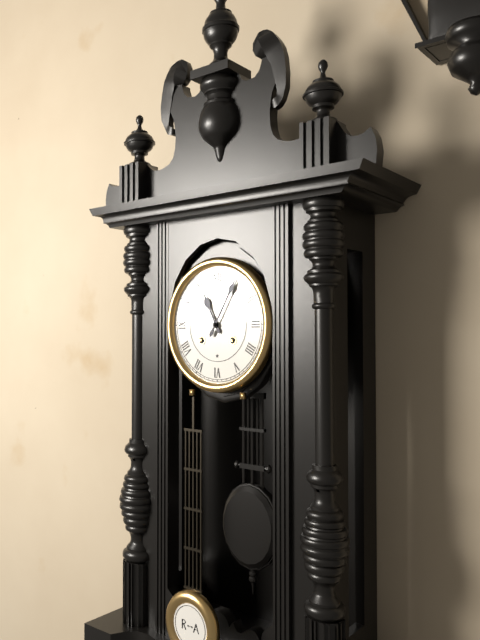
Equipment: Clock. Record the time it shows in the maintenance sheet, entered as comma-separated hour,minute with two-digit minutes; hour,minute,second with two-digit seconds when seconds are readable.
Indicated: 11,05
